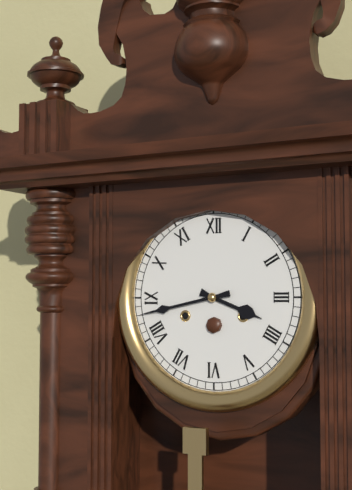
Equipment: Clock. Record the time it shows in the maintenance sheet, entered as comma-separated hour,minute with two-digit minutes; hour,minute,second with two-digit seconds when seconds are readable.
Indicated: 3,43
